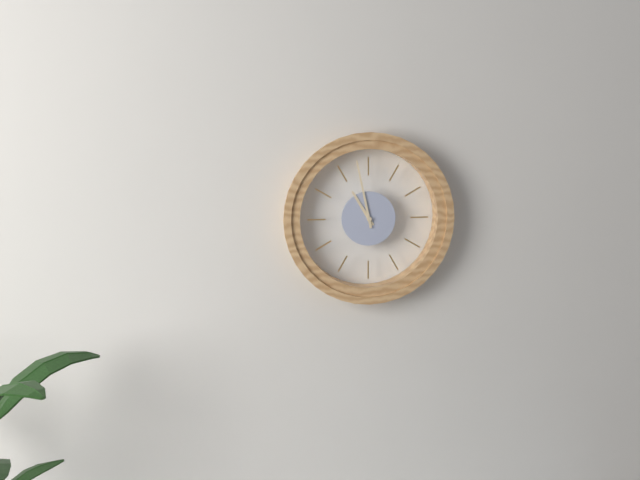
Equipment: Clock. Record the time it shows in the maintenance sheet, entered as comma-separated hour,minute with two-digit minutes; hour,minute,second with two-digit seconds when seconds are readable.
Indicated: 10,58
